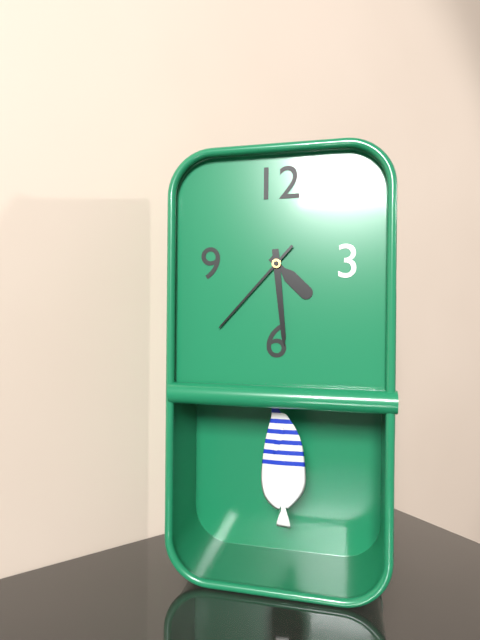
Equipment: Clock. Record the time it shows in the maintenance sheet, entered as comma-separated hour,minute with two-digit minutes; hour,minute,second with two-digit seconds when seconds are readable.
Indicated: 4,29,37
